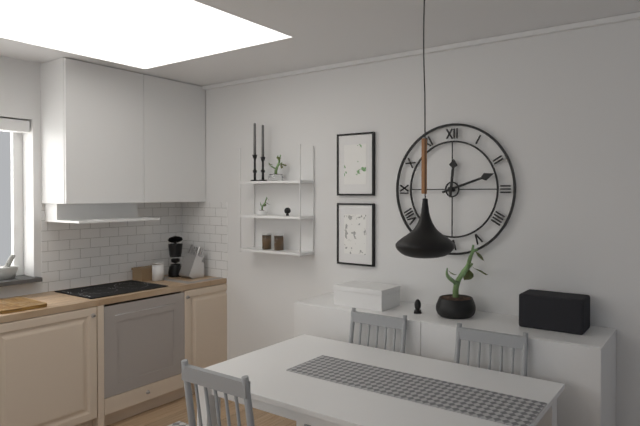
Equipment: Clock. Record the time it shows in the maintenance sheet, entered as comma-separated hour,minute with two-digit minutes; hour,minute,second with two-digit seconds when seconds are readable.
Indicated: 12,12
